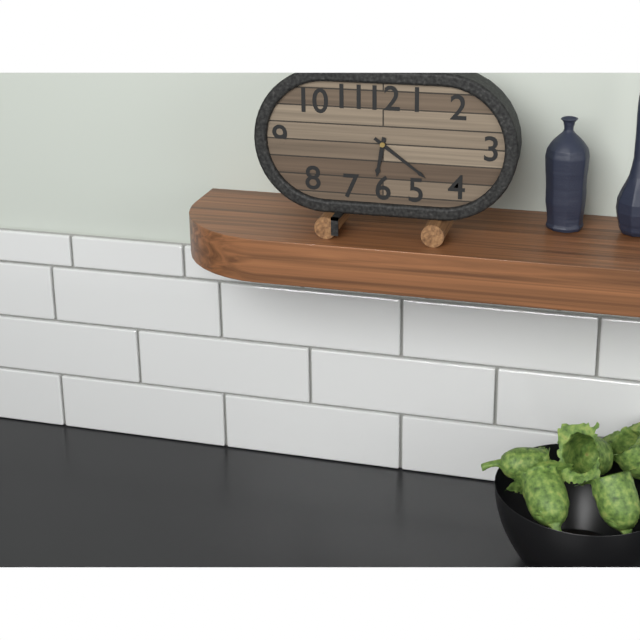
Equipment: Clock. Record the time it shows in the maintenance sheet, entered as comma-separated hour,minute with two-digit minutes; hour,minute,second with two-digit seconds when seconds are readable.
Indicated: 6,21
